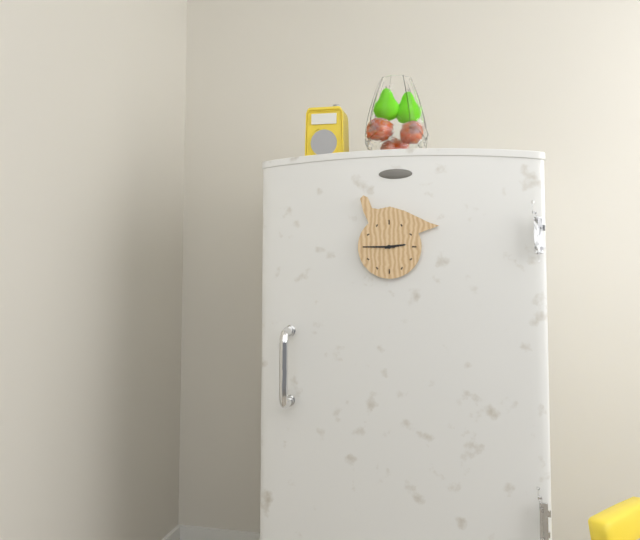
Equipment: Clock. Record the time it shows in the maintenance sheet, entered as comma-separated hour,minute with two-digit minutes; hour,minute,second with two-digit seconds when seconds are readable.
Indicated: 2,45
